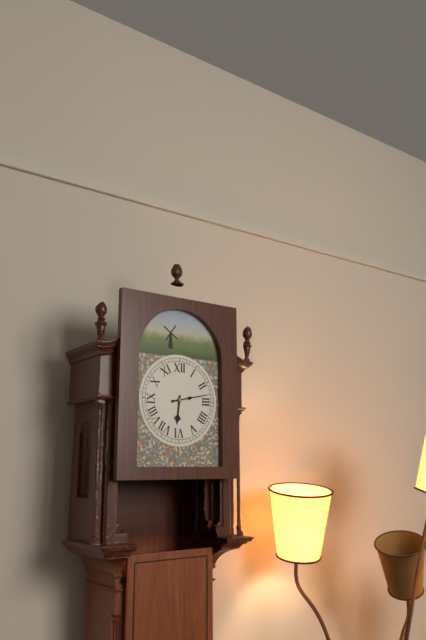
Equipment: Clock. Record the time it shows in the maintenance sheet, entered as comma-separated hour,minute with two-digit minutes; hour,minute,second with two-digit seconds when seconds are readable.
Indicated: 6,13
